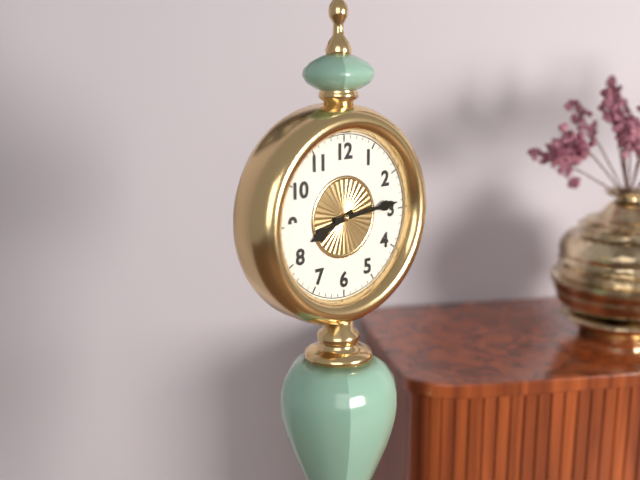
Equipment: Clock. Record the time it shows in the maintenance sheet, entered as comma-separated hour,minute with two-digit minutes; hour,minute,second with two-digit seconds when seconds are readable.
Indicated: 8,14
